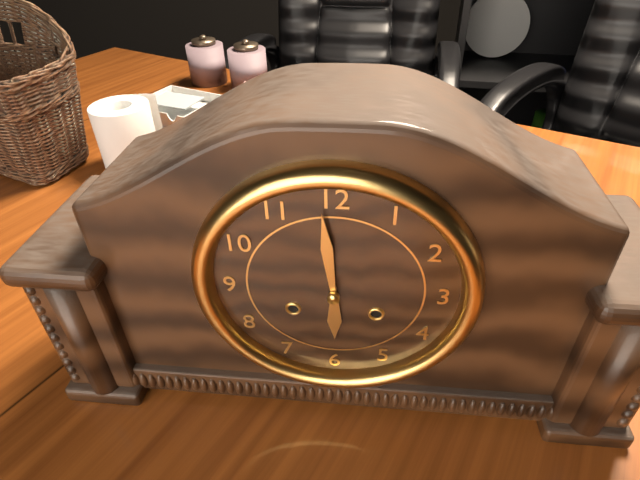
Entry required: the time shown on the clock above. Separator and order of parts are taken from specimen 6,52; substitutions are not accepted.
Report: 5,59
